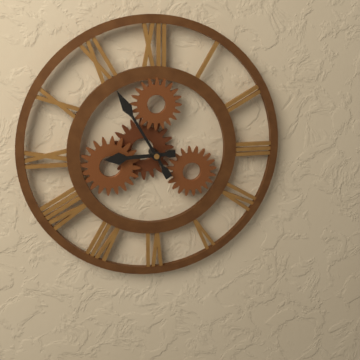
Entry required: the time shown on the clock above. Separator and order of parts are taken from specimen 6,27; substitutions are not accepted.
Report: 8,55
